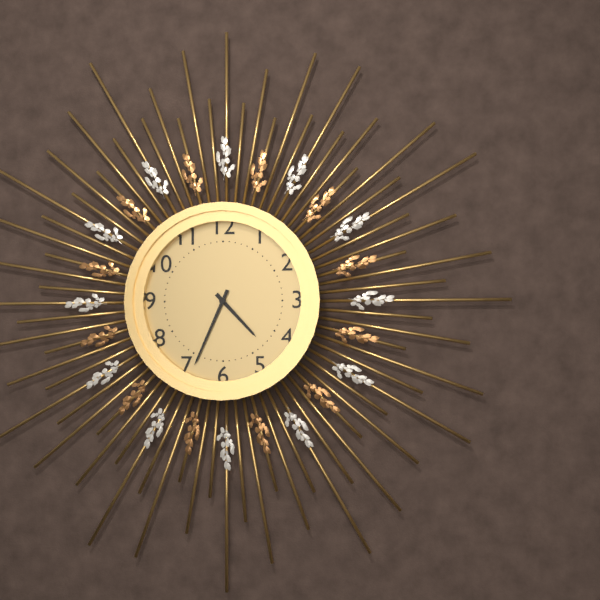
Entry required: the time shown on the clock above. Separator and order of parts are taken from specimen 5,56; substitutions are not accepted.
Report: 4,34
